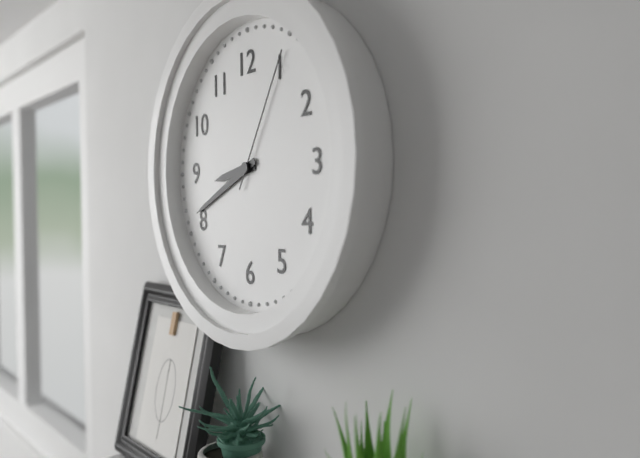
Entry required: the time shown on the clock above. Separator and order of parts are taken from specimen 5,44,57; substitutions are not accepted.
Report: 8,41,05
